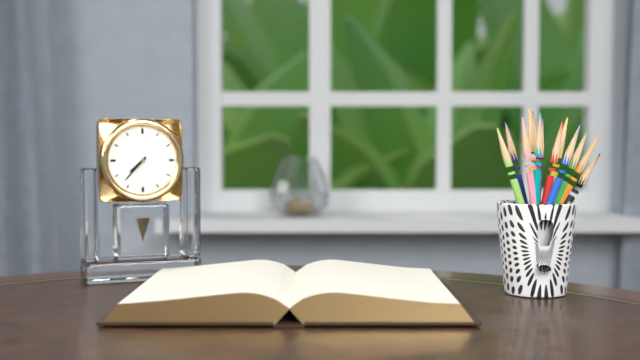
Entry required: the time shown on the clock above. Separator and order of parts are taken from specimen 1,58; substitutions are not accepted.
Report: 7,37
